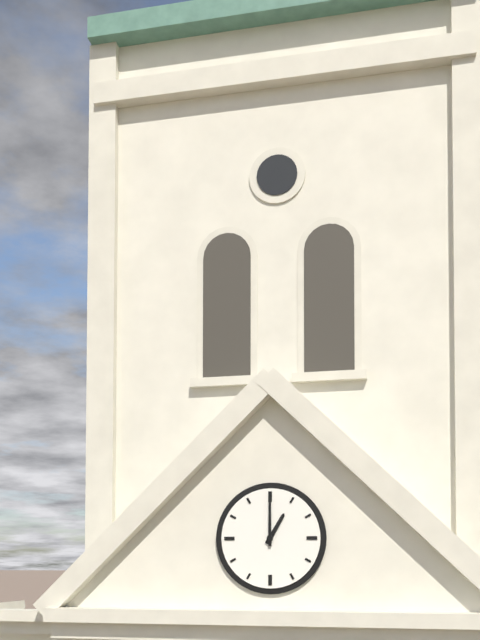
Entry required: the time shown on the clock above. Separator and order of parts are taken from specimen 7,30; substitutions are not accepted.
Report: 1,00
